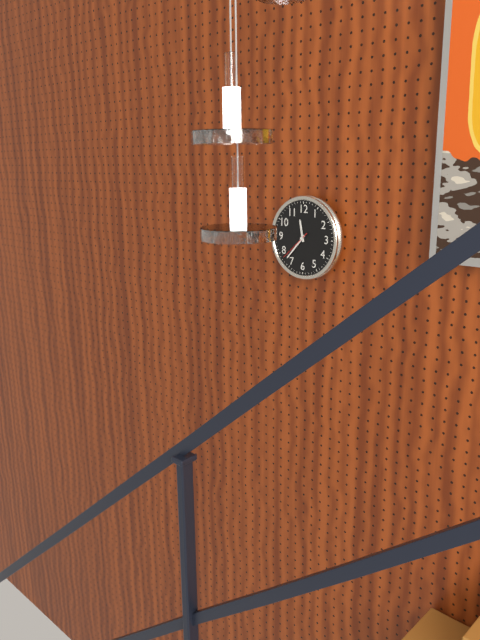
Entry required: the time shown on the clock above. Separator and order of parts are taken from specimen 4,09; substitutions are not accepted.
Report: 11,37
